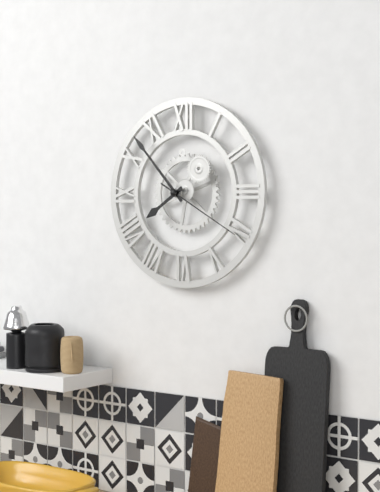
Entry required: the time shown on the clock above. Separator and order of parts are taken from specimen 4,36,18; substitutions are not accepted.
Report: 7,53,20
